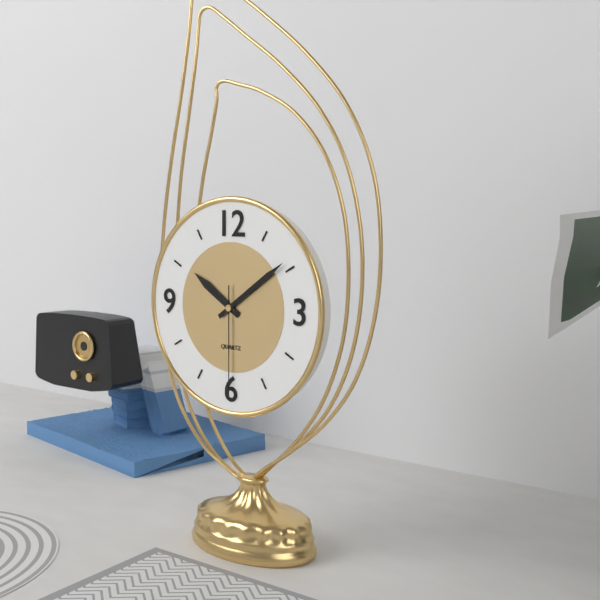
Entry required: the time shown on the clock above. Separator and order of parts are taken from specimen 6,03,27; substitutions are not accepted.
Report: 10,09,30
